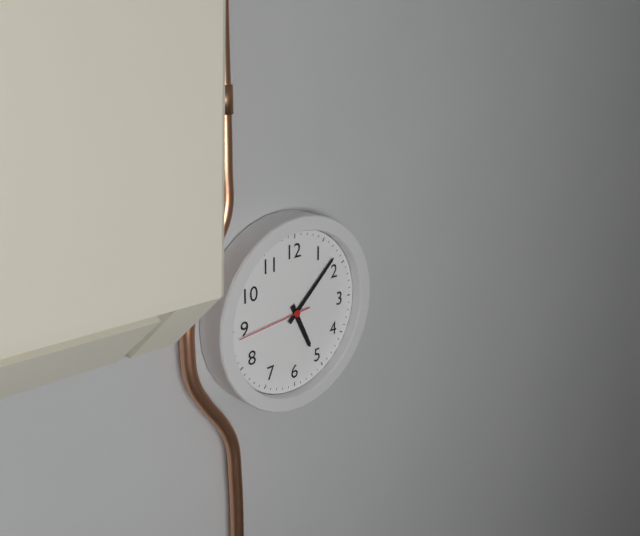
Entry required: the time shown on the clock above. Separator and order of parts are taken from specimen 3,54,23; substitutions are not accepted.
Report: 5,08,44
